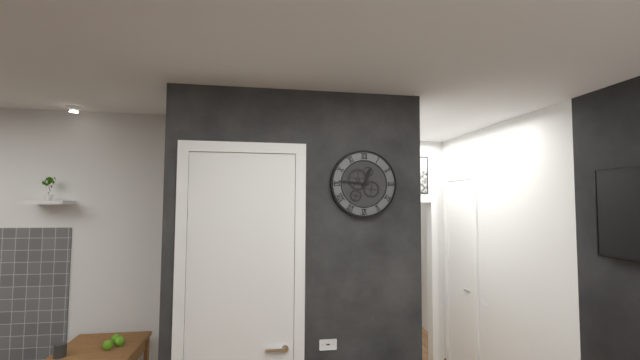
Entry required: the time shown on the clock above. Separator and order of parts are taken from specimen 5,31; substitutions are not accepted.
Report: 12,46
